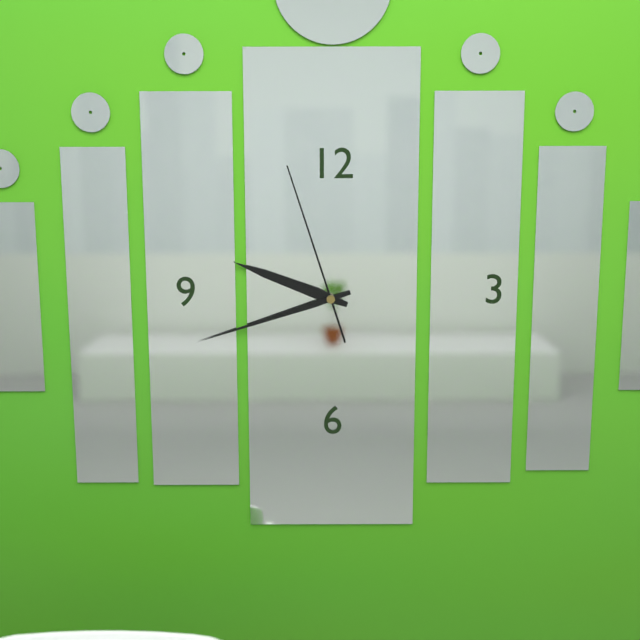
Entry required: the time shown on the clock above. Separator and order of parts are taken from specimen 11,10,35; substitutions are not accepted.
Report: 9,42,57
